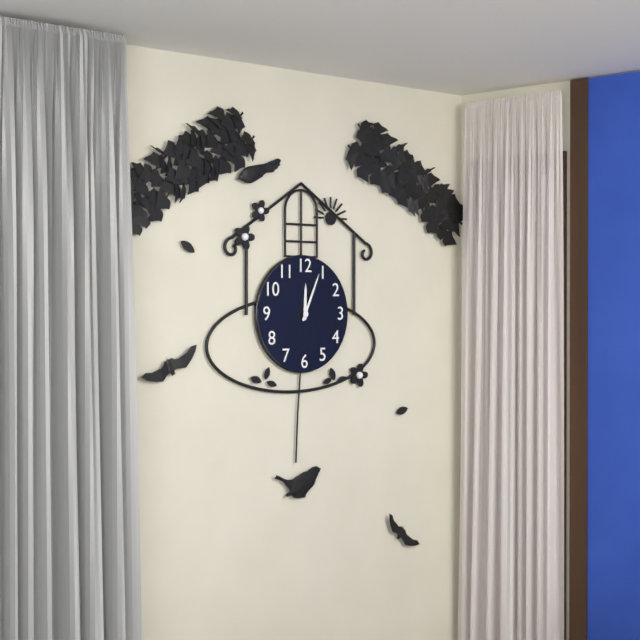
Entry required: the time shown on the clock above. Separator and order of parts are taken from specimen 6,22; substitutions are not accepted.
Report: 12,04
